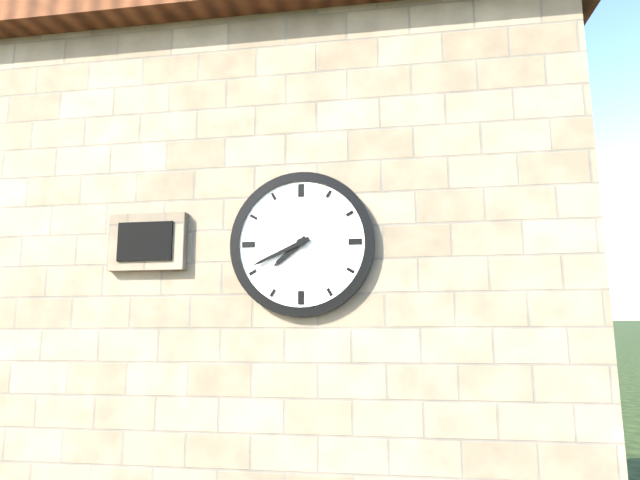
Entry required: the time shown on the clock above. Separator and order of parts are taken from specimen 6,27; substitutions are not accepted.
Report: 7,41
